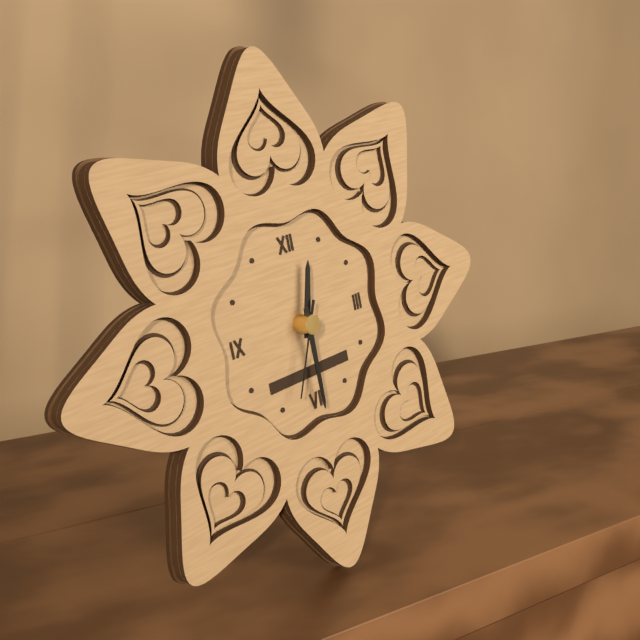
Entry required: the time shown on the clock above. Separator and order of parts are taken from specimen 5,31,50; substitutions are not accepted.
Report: 12,30,34
